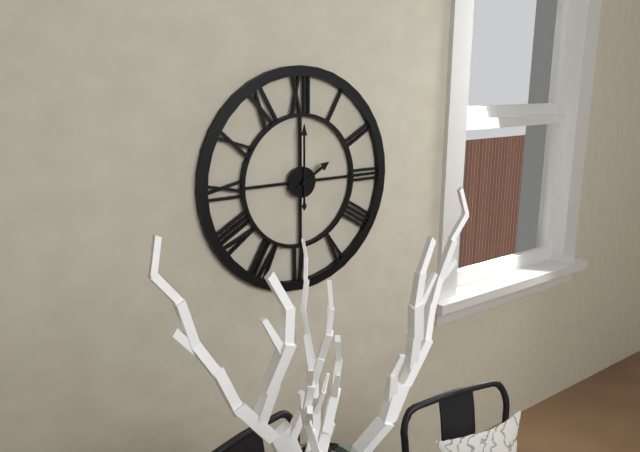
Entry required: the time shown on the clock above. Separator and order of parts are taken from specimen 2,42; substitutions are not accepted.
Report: 2,00
